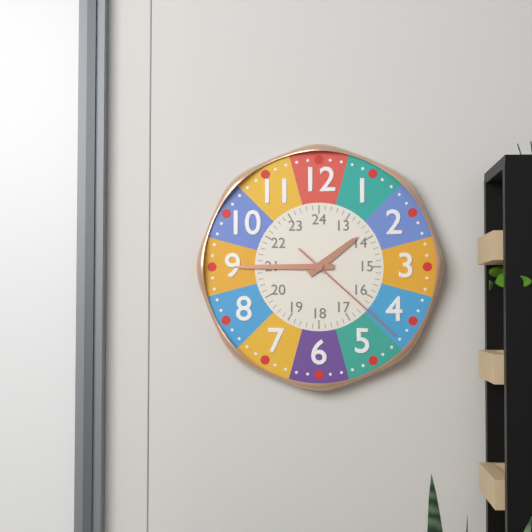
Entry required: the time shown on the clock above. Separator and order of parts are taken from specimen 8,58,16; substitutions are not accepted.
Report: 1,45,22
